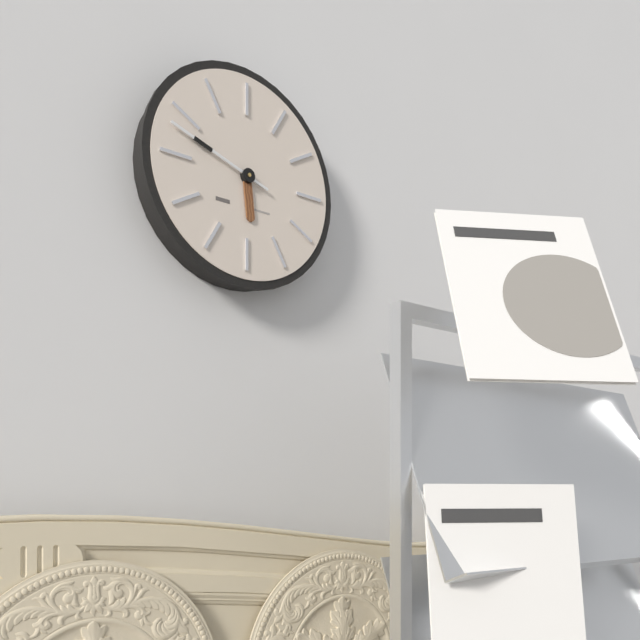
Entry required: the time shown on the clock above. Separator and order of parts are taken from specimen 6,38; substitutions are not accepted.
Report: 5,48
